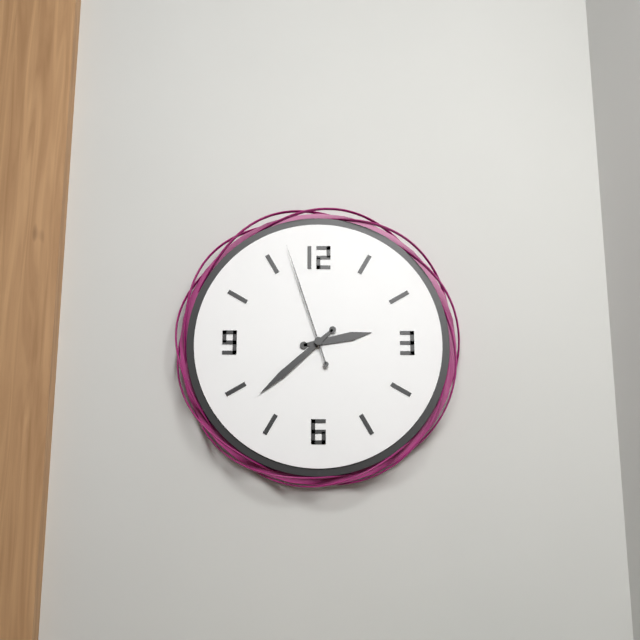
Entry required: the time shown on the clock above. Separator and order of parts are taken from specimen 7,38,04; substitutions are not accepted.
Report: 2,38,57
